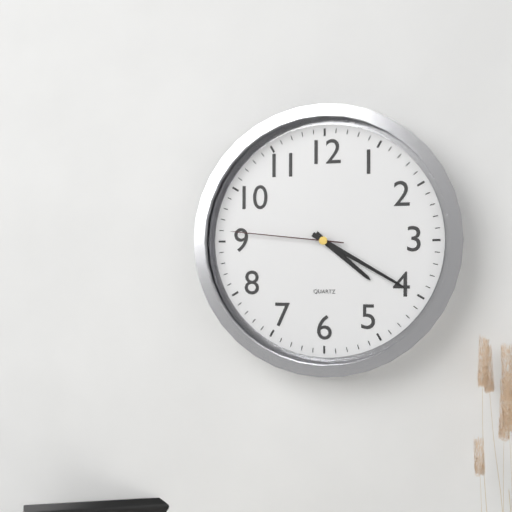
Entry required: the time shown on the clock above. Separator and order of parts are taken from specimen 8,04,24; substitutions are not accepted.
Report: 4,20,46
